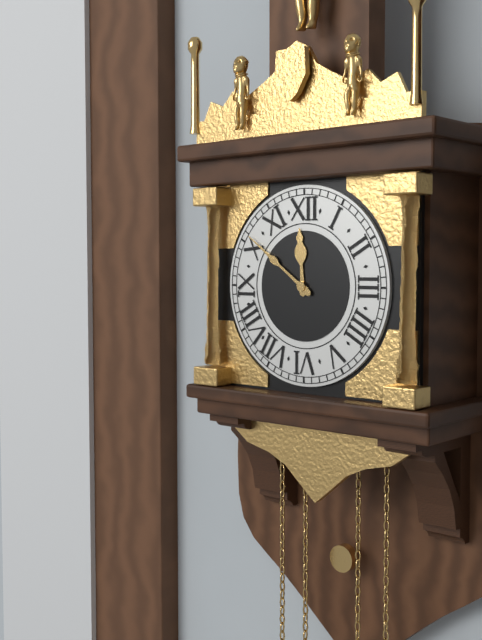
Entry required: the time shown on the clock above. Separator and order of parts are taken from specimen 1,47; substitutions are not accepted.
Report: 11,51
